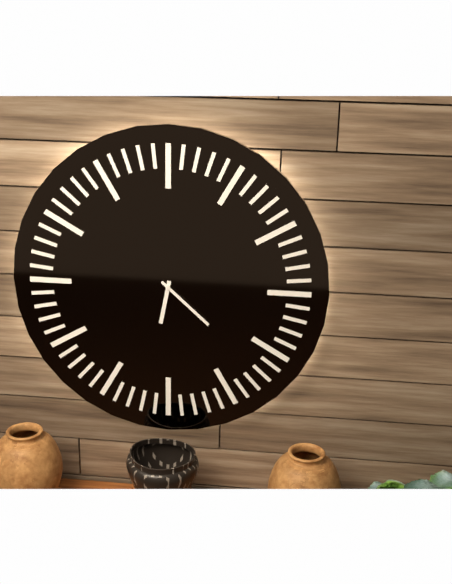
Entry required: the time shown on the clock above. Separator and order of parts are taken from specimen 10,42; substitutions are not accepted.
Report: 6,22
